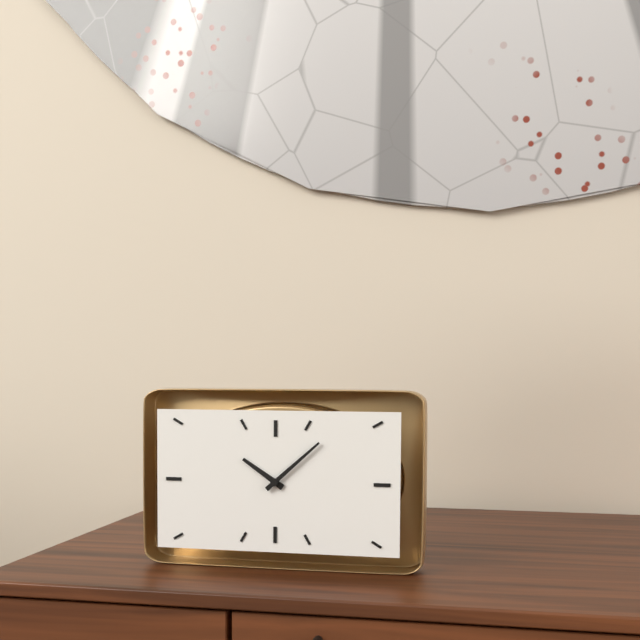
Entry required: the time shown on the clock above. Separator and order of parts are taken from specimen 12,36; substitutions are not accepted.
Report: 10,08
